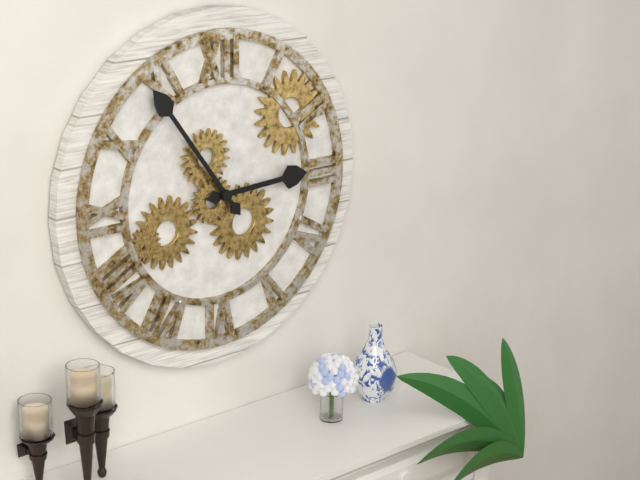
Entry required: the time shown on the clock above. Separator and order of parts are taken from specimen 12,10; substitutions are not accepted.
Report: 2,54
